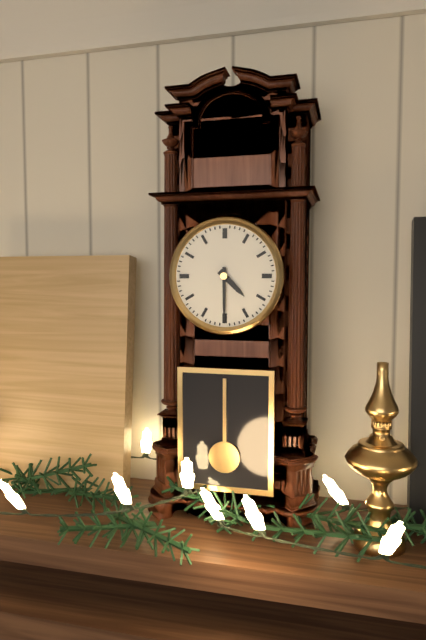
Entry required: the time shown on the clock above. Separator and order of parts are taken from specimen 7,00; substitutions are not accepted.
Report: 4,30
